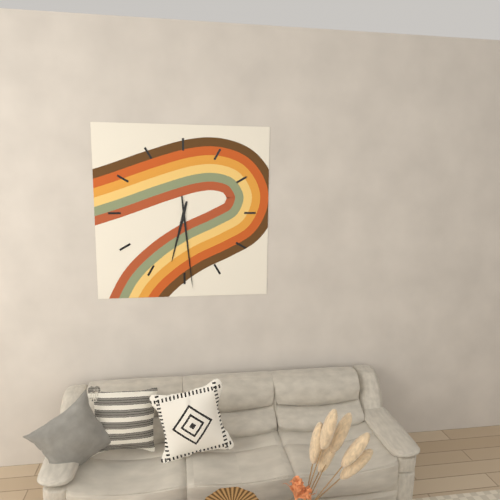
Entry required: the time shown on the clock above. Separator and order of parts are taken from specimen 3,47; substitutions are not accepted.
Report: 6,29
